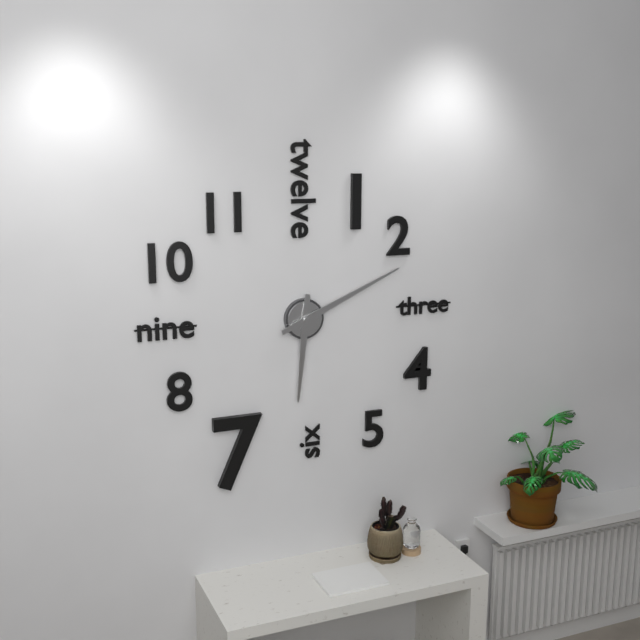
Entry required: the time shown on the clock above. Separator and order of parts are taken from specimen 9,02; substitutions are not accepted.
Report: 6,11
